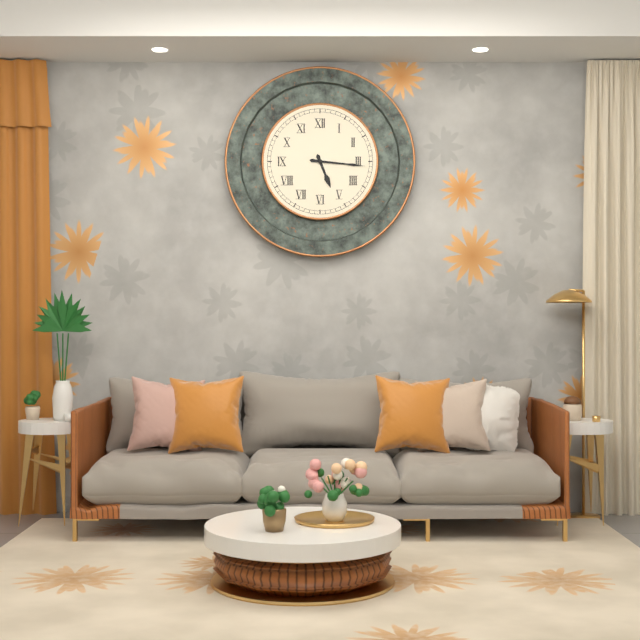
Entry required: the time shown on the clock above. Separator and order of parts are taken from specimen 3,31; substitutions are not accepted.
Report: 5,16
